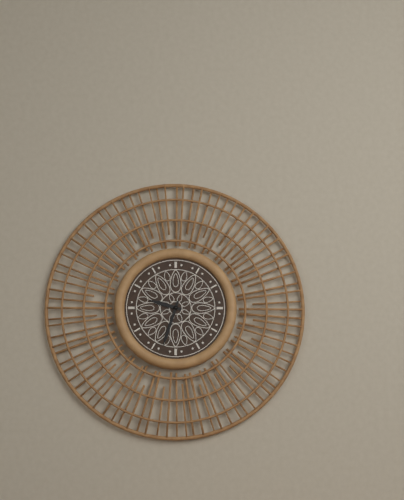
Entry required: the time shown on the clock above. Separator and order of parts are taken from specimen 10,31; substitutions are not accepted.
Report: 9,33
